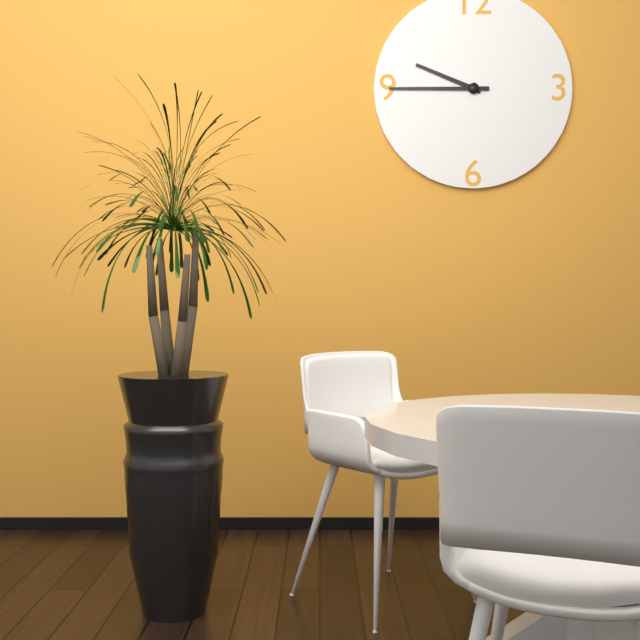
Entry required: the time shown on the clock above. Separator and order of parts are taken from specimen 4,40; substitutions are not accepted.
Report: 9,45
